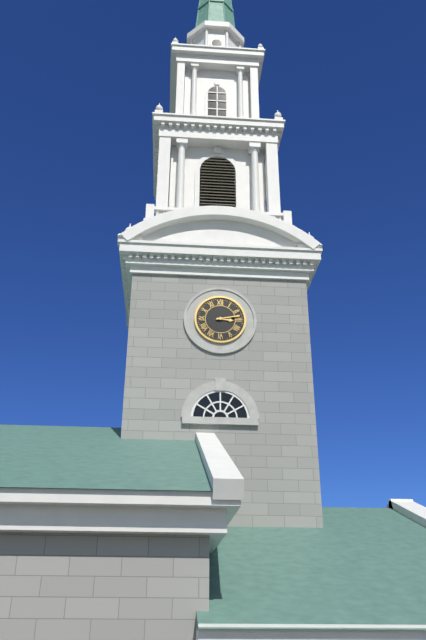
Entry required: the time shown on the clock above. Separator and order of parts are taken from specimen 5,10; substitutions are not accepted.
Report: 3,13
